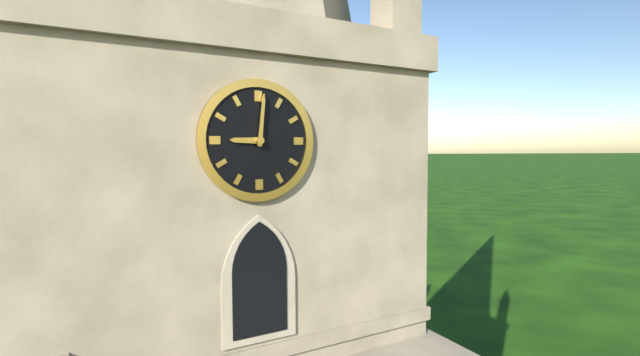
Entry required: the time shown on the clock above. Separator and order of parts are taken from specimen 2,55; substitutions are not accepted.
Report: 9,01
